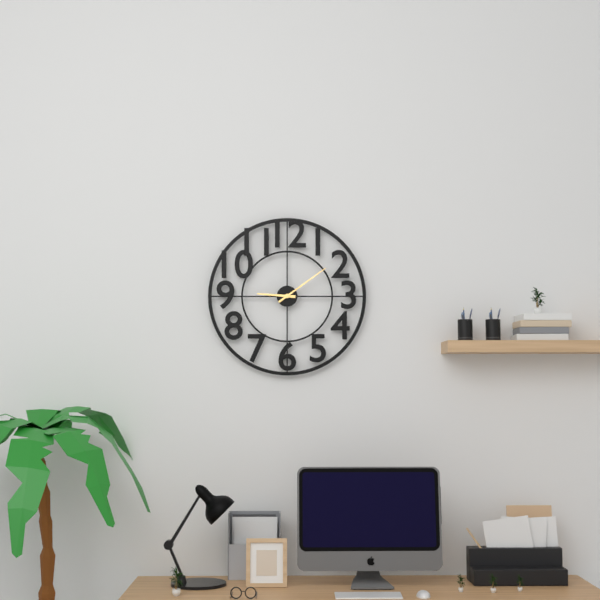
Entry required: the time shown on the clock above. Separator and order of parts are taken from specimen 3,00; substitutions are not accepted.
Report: 9,09
